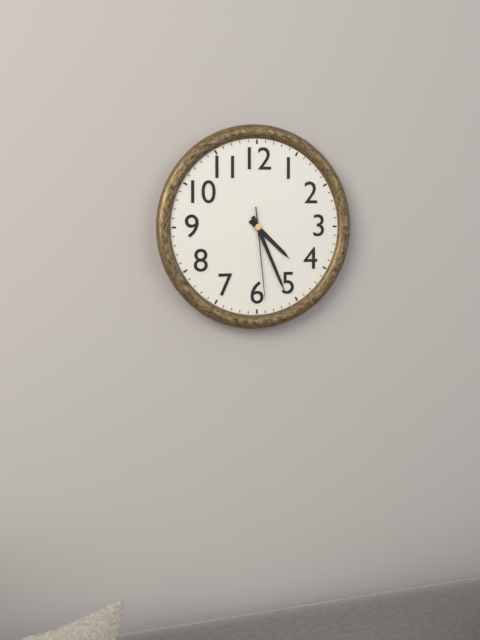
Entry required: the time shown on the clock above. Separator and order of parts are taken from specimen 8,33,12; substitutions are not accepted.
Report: 4,26,29
